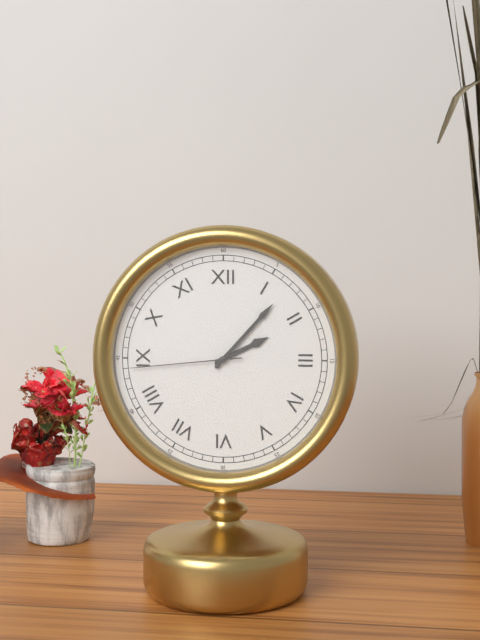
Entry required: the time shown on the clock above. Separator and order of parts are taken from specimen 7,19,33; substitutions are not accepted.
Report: 2,07,44
